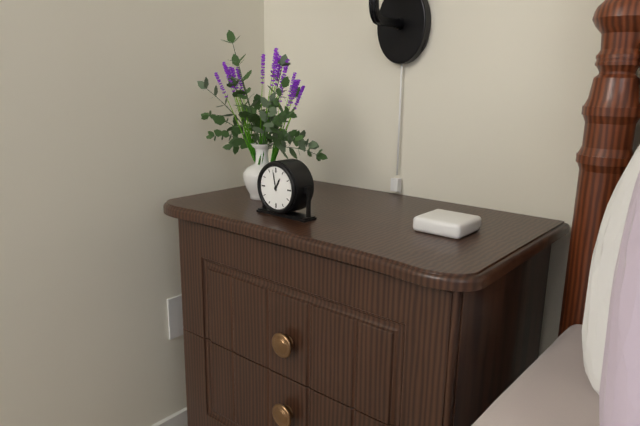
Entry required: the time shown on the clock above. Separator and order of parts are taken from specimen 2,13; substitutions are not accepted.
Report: 12,58
